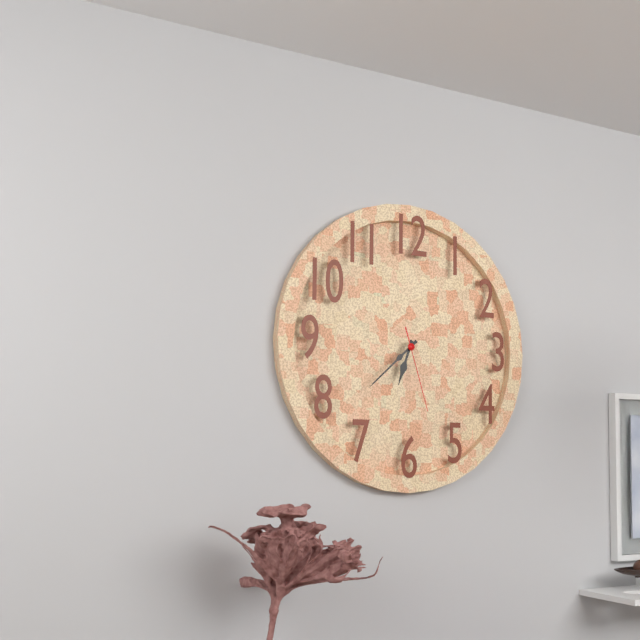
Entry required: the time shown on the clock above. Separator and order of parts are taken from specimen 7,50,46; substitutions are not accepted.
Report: 6,38,27
